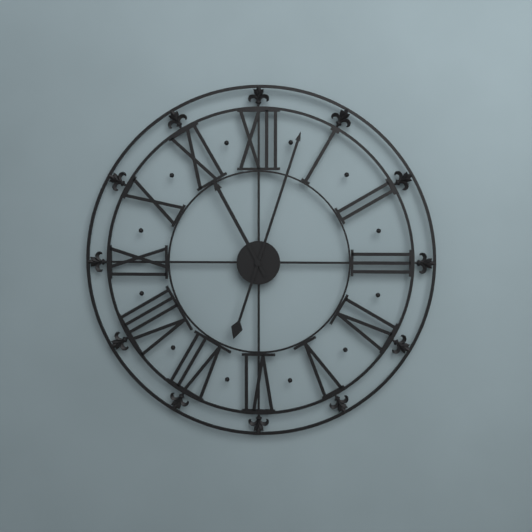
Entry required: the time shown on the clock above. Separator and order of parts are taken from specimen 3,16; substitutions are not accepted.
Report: 11,03
